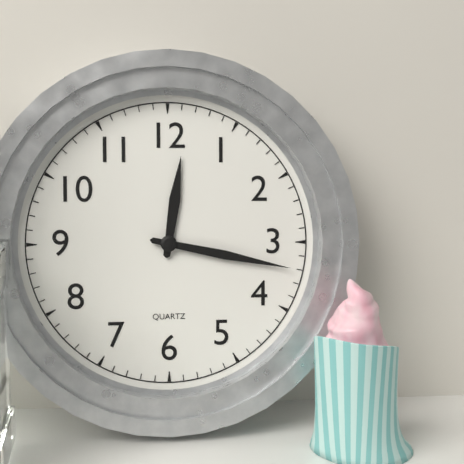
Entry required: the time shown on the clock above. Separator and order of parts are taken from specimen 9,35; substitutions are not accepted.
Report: 12,17
